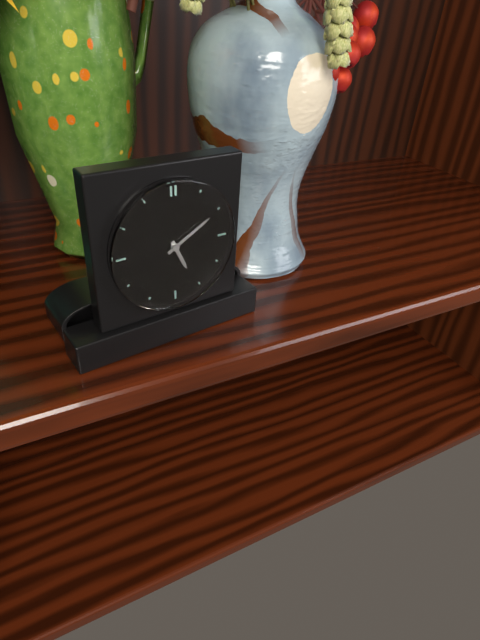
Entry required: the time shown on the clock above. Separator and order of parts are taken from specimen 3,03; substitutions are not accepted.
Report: 5,10
